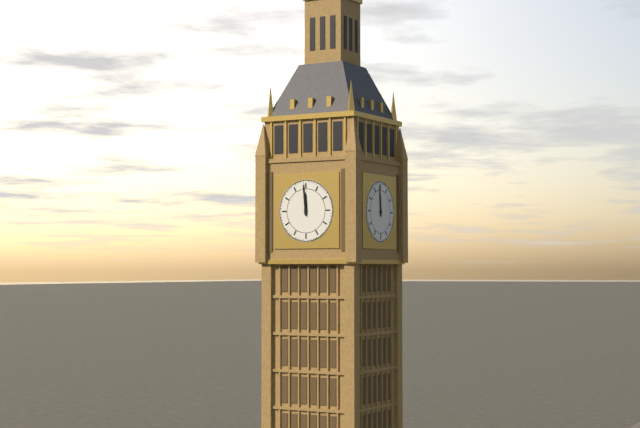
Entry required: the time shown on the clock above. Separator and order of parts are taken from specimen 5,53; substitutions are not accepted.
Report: 11,59
